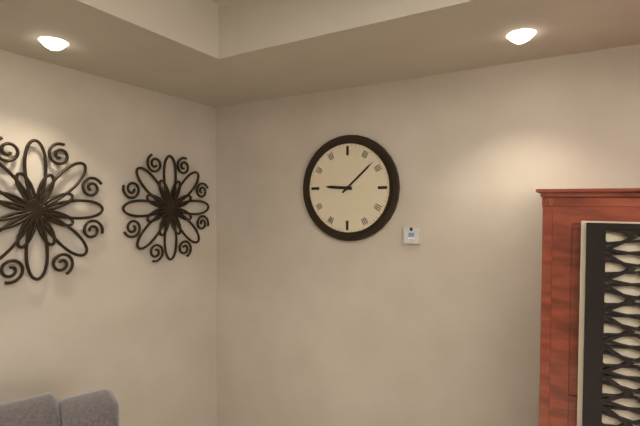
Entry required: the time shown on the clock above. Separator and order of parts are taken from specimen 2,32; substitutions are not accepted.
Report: 9,08
